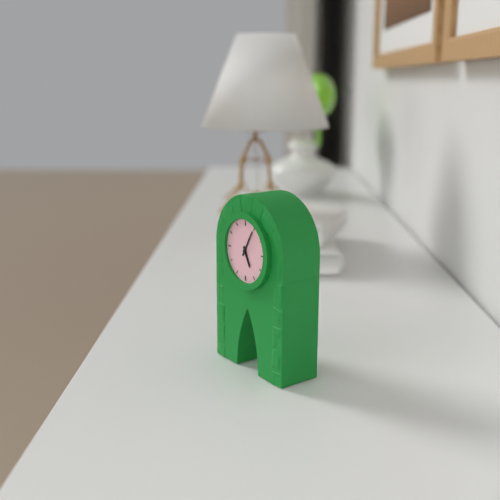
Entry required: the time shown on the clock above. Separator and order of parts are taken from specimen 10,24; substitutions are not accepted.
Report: 5,05
